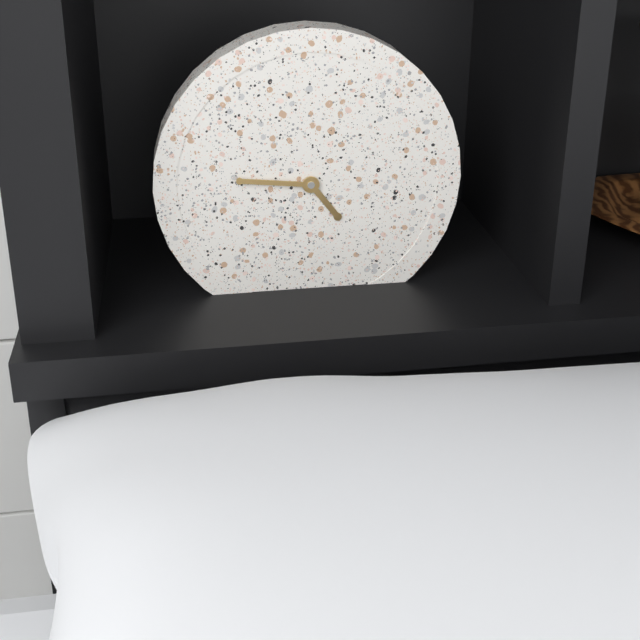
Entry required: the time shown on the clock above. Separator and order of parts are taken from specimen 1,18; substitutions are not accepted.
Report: 4,46
